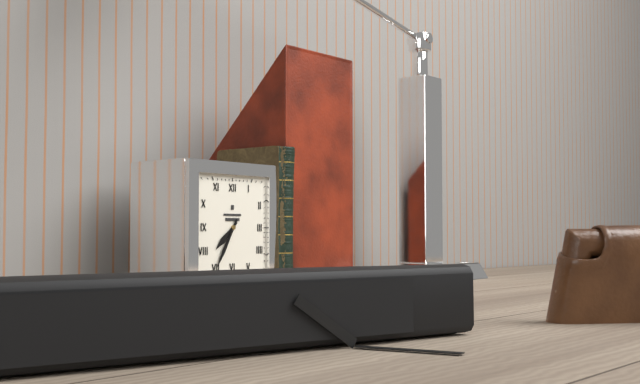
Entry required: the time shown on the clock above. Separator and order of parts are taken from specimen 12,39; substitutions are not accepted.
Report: 7,35
